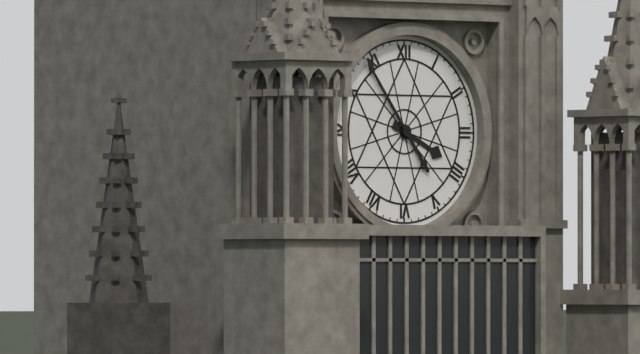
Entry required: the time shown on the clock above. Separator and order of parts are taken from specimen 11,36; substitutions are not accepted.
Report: 3,54
